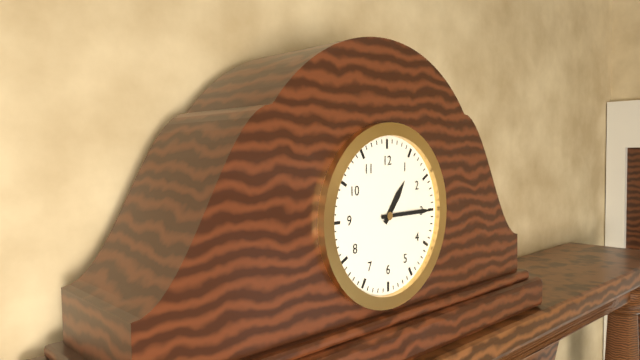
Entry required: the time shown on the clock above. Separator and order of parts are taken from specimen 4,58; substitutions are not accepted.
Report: 1,15
